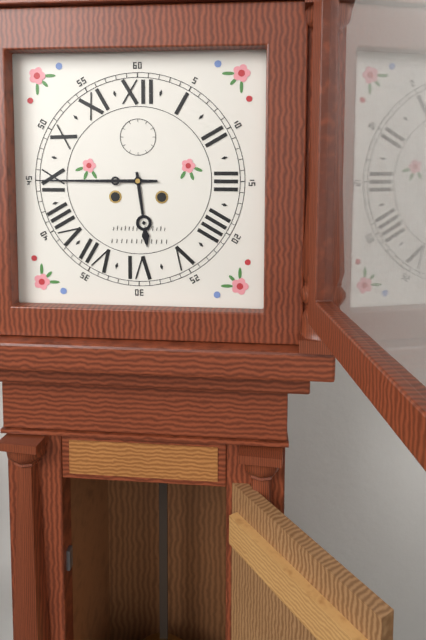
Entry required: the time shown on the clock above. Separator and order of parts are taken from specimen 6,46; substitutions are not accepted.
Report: 5,45
